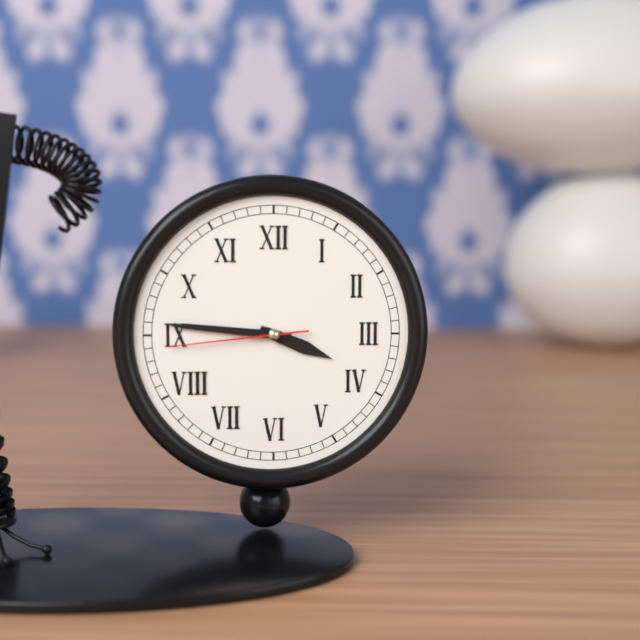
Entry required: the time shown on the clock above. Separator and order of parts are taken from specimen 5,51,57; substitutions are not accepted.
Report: 3,46,44
